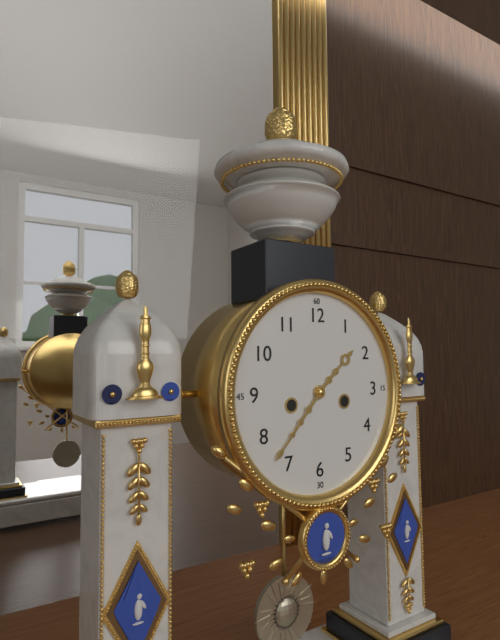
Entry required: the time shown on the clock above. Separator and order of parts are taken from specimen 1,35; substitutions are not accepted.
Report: 1,37
